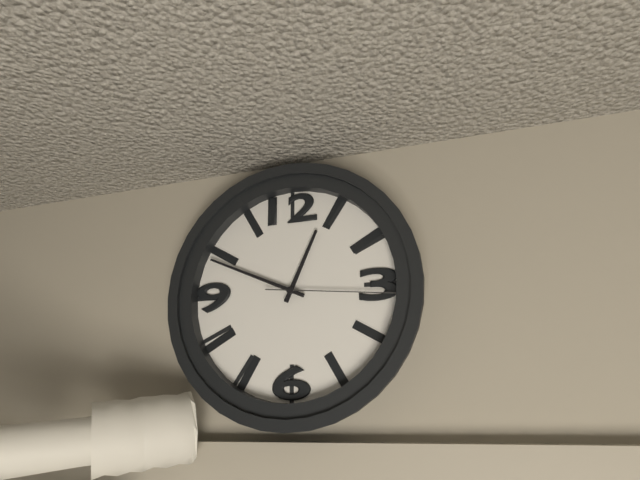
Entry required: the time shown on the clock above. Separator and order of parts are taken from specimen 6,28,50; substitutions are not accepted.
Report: 12,49,16
